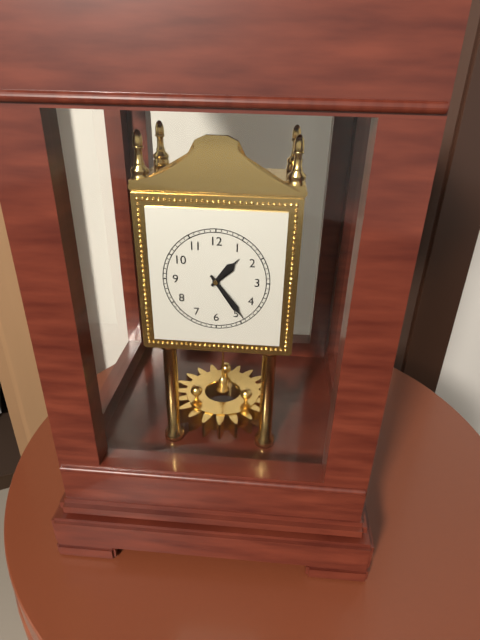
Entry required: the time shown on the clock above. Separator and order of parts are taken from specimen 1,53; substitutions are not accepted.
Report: 1,24
